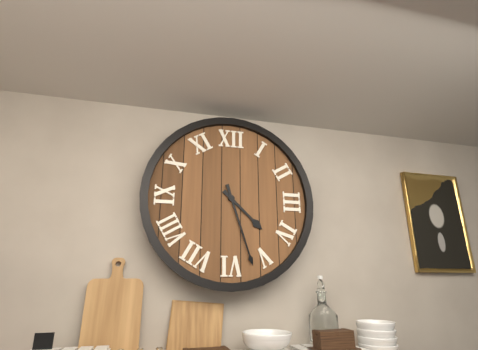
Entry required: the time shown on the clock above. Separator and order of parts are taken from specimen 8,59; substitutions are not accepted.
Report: 4,27
